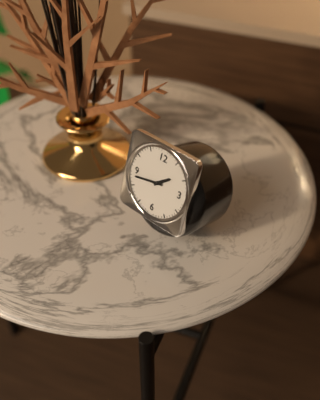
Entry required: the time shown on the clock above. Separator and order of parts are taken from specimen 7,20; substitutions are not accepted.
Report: 1,43
